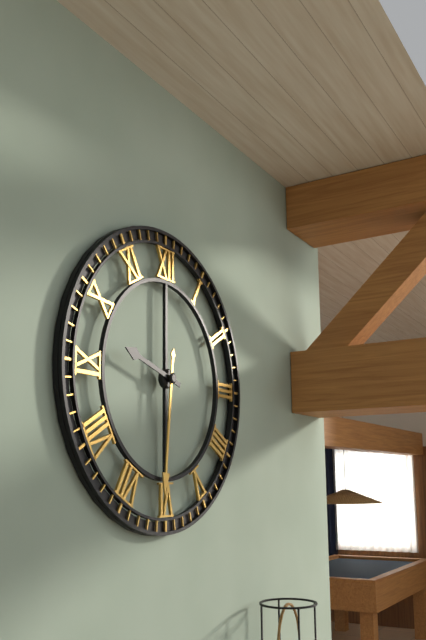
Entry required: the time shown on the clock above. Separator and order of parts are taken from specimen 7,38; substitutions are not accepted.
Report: 9,31
